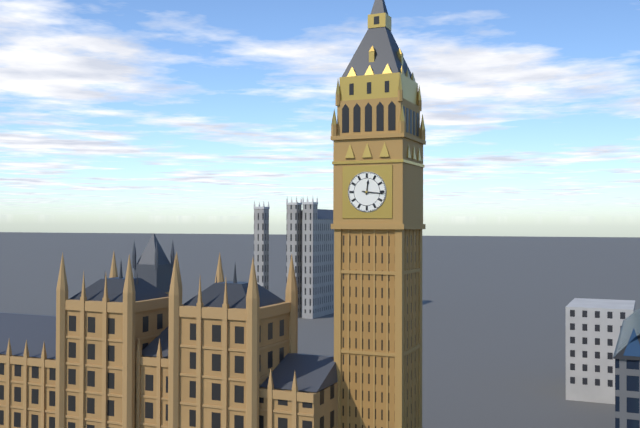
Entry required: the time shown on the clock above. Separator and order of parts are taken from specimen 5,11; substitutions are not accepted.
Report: 12,16
